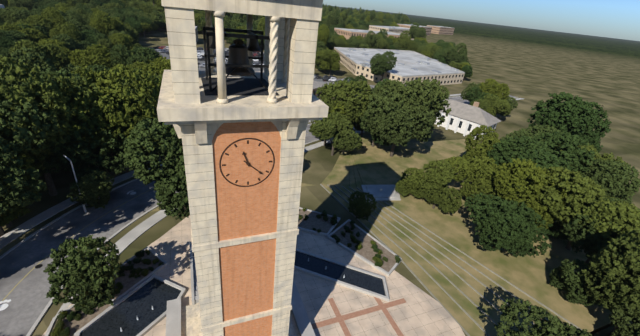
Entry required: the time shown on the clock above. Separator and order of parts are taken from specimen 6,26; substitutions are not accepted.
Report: 11,22
